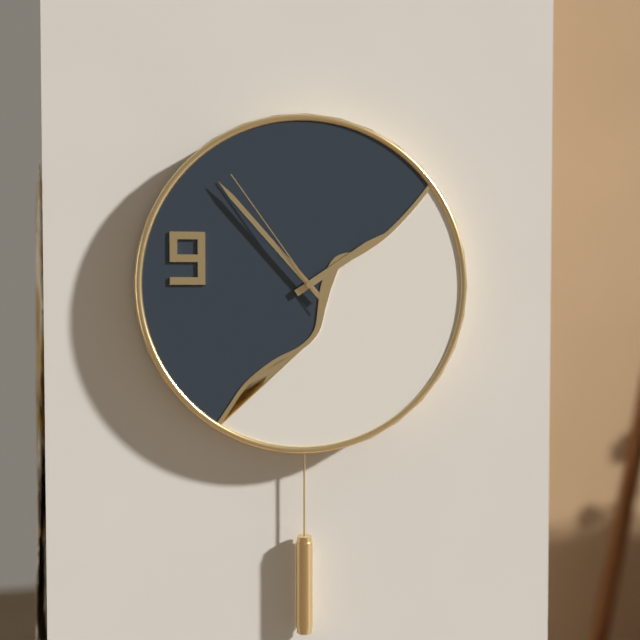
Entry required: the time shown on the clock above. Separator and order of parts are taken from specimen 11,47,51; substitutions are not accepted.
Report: 1,53,54
